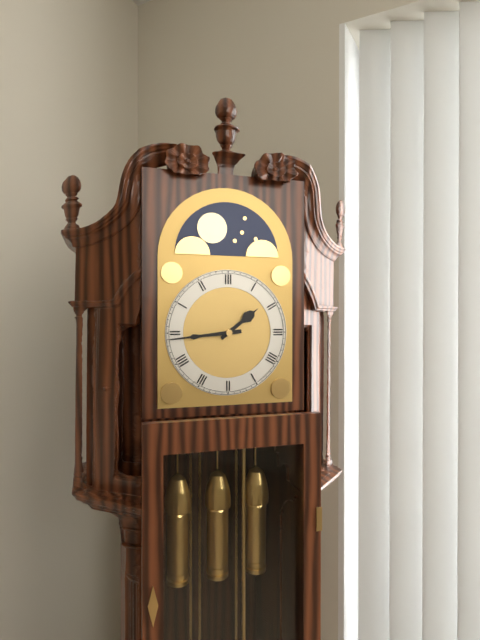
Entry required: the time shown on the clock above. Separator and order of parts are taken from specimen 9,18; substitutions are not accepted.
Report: 1,44
